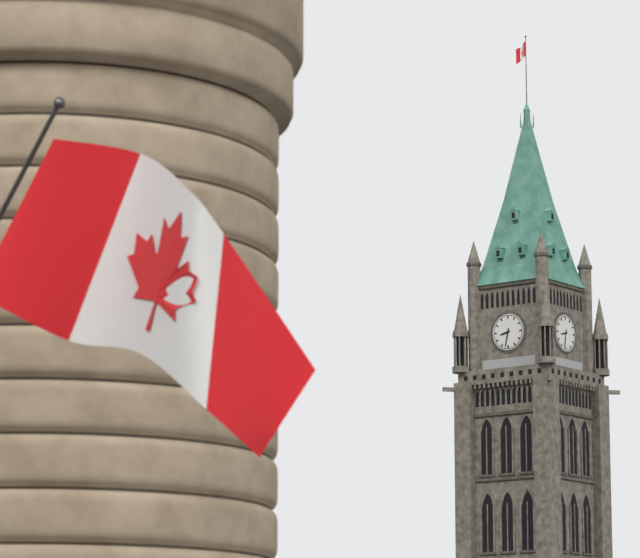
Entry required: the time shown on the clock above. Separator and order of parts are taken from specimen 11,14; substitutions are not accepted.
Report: 8,32
